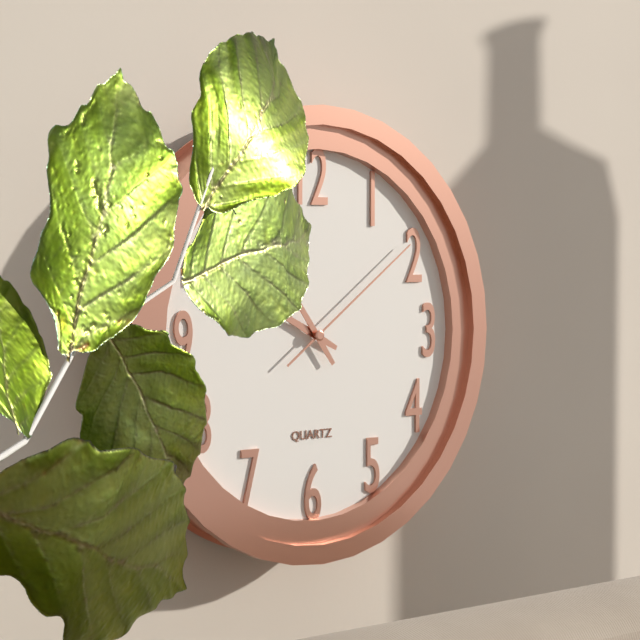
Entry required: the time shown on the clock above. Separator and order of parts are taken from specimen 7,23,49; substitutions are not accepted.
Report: 9,54,09
